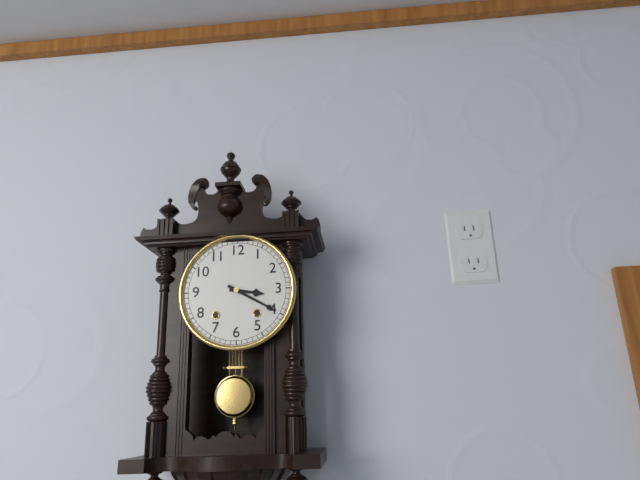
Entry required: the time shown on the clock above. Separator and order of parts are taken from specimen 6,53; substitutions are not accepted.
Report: 3,20
